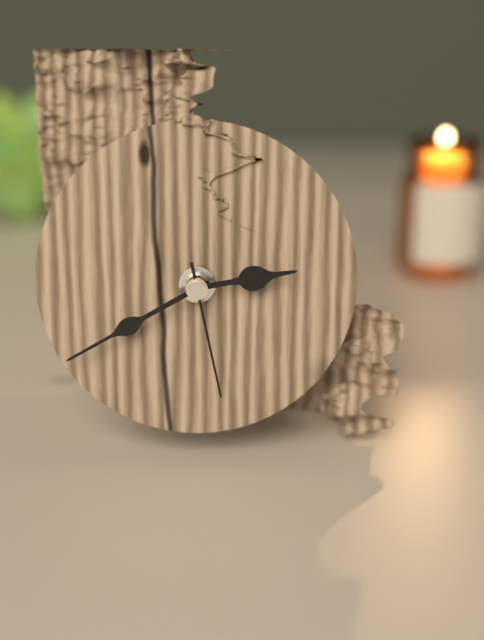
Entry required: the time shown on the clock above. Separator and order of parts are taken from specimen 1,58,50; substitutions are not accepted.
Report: 2,40,28
